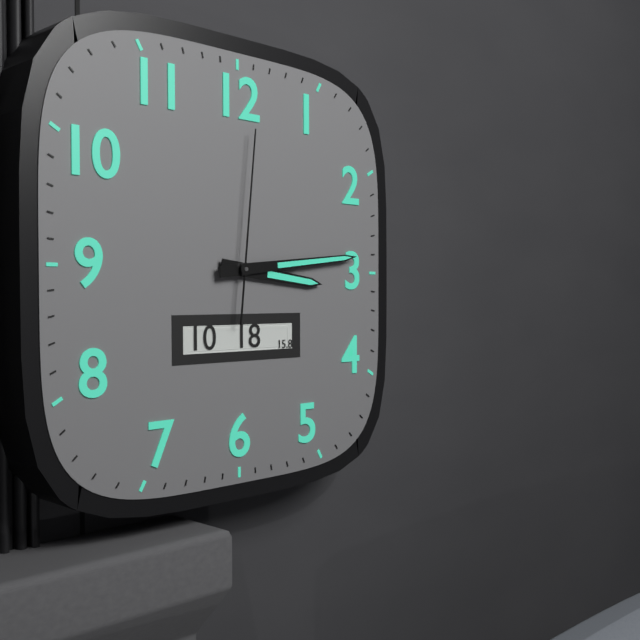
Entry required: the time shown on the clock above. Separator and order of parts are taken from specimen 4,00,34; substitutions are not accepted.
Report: 3,14,01
